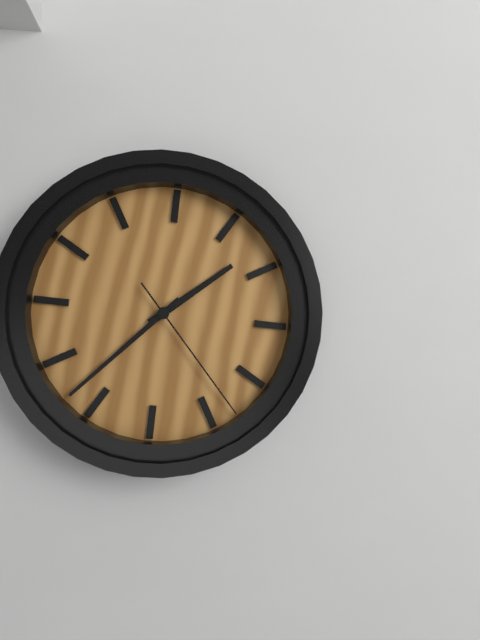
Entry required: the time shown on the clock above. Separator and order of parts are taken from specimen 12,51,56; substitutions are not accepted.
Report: 1,37,23
